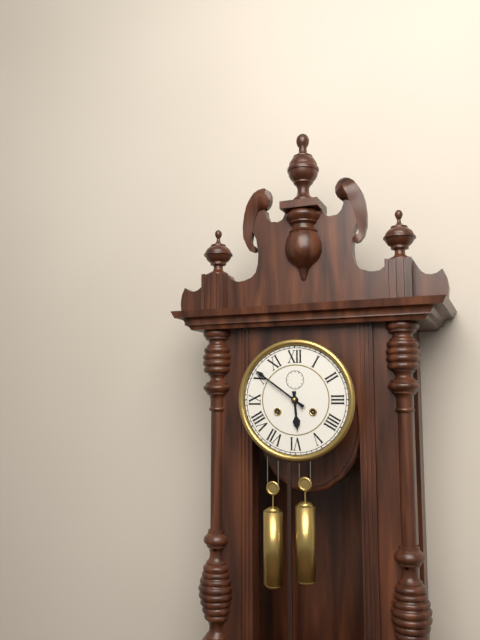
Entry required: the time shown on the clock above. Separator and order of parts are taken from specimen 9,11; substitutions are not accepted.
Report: 5,51
